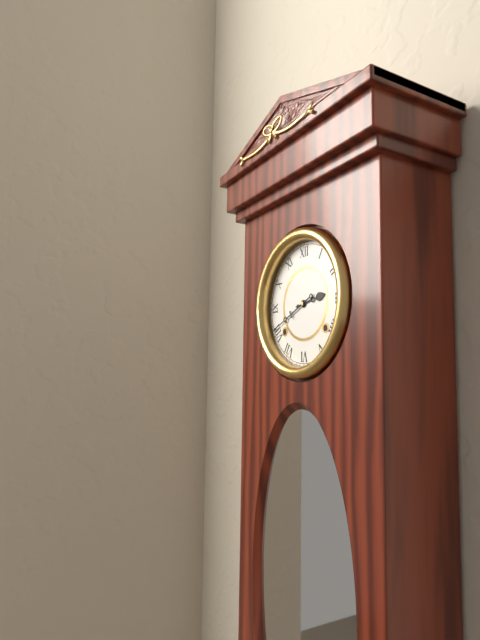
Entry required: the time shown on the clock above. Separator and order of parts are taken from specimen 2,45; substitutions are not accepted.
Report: 2,41
